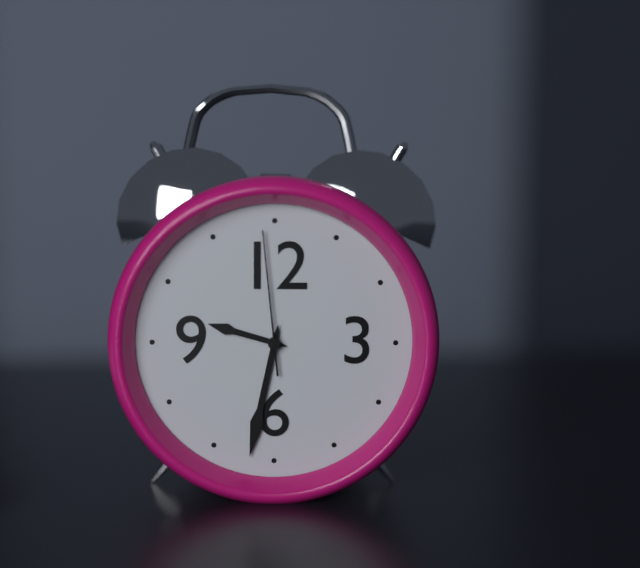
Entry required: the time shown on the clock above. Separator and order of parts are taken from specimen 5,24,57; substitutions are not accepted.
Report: 9,32,59
